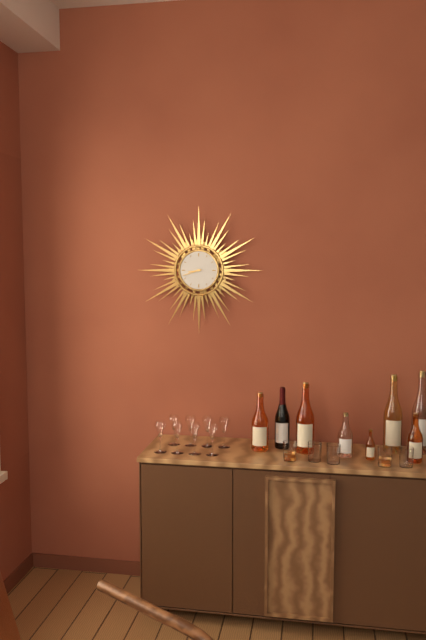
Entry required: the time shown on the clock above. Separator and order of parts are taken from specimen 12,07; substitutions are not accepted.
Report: 8,42
